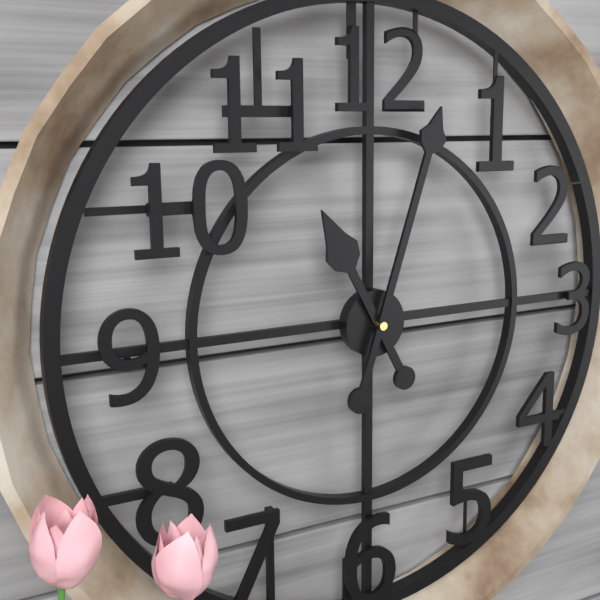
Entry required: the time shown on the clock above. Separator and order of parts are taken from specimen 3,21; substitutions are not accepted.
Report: 11,03
